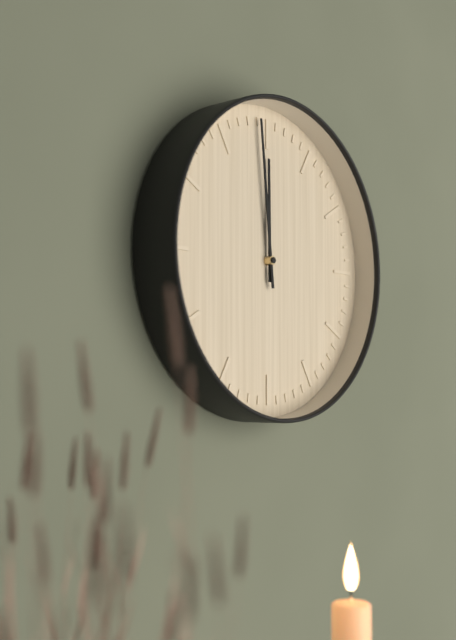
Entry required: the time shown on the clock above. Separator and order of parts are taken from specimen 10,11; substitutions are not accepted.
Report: 11,59
